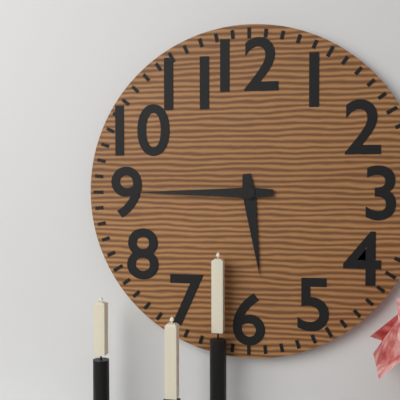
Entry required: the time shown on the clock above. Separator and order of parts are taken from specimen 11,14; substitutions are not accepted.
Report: 5,45
